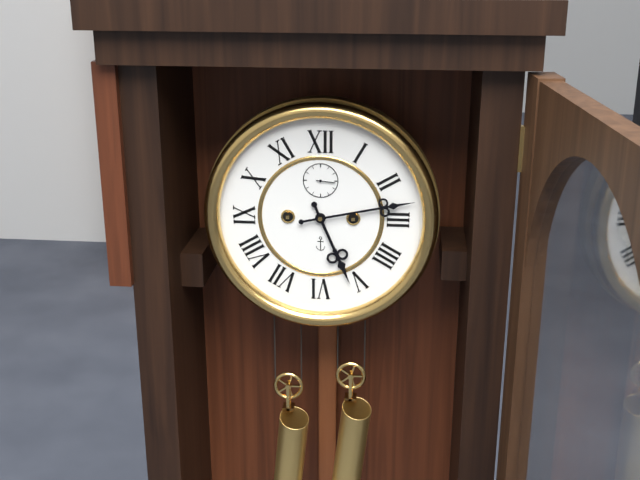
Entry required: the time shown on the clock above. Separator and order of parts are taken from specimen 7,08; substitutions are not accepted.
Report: 5,13
